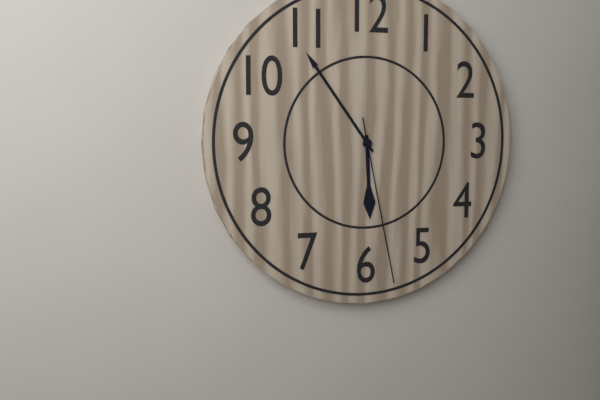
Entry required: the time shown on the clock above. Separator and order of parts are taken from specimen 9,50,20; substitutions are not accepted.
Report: 5,54,28
